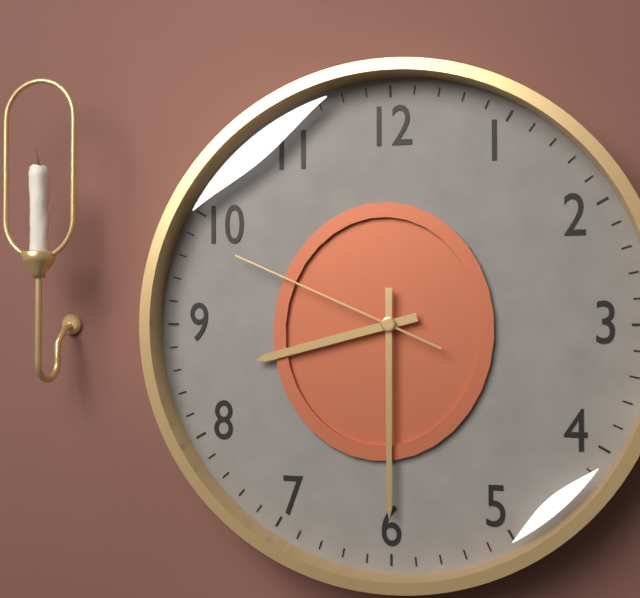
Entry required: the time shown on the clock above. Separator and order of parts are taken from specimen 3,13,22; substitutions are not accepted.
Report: 8,30,49
